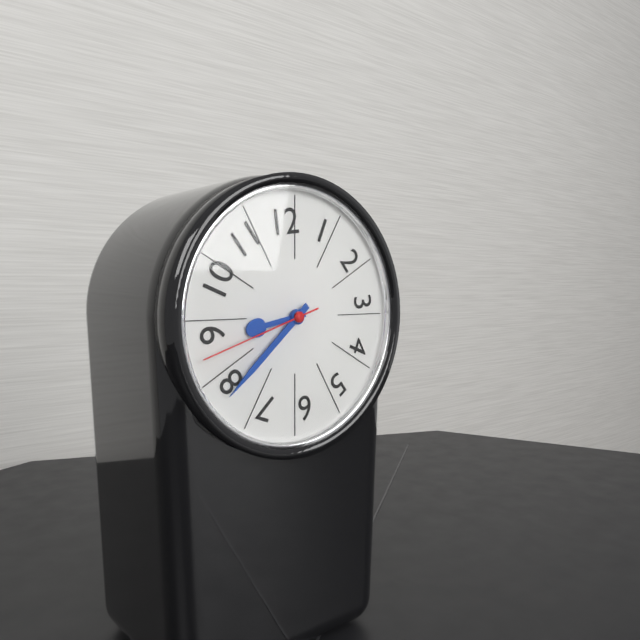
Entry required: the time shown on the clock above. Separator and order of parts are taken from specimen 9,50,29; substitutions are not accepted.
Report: 8,38,42
